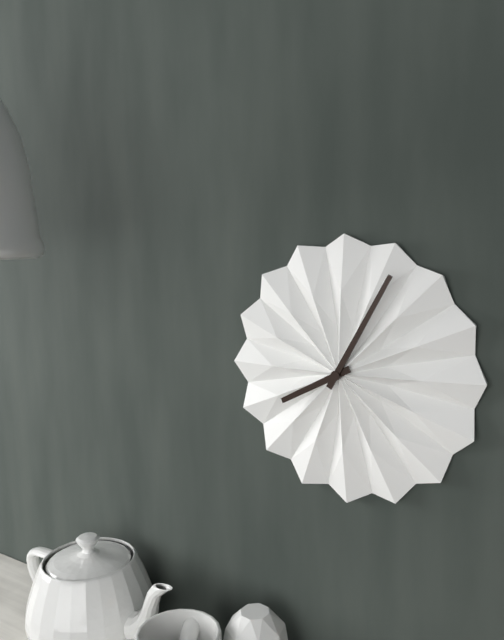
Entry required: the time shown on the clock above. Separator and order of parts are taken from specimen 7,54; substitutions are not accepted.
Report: 8,05
